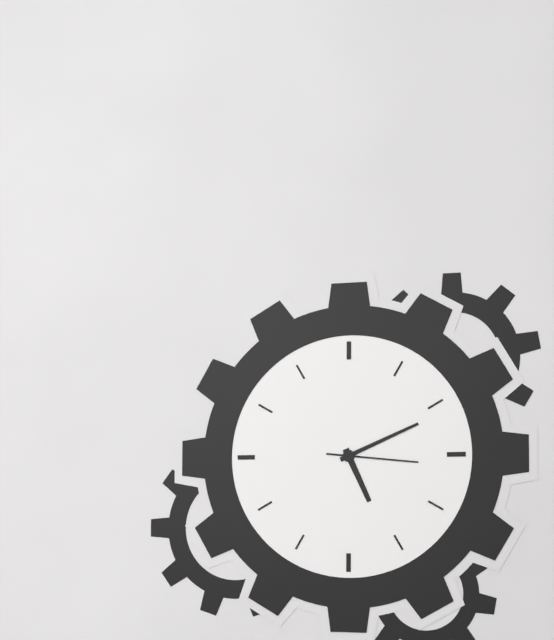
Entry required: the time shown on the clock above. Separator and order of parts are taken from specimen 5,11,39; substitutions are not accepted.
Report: 5,11,16
